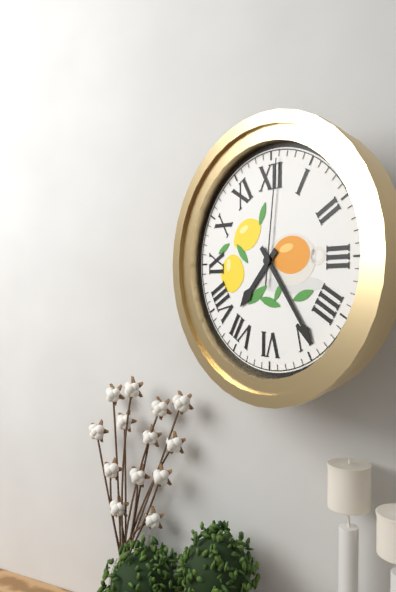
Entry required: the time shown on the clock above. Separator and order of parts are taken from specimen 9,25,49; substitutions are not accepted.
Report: 7,24,01
